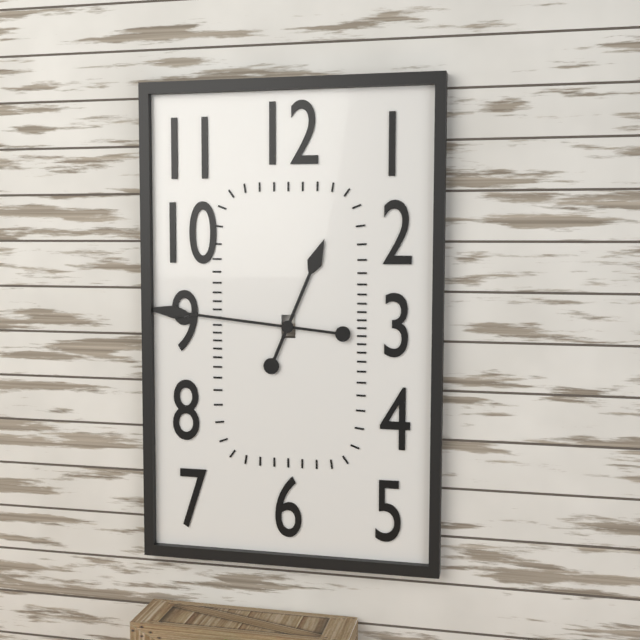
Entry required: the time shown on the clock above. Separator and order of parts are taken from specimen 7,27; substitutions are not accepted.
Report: 12,46
